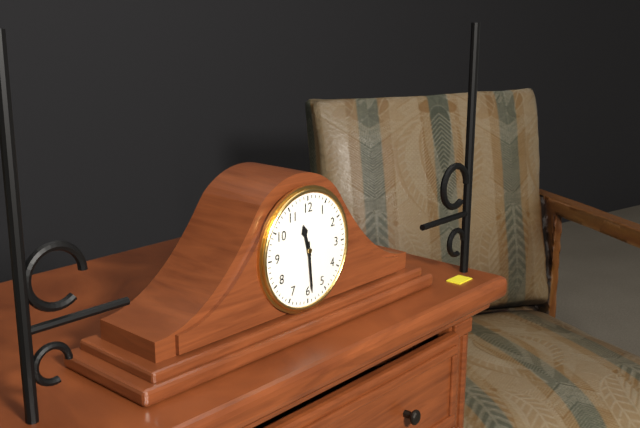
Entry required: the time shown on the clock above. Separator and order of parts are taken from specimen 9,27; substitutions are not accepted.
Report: 11,29
